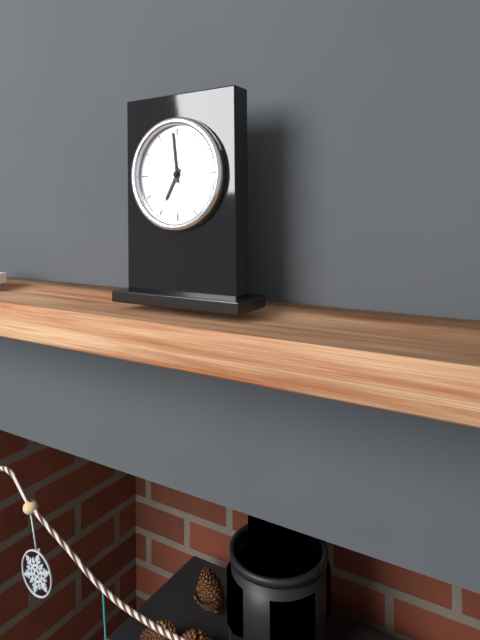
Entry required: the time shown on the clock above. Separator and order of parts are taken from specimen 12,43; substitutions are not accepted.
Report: 6,59
